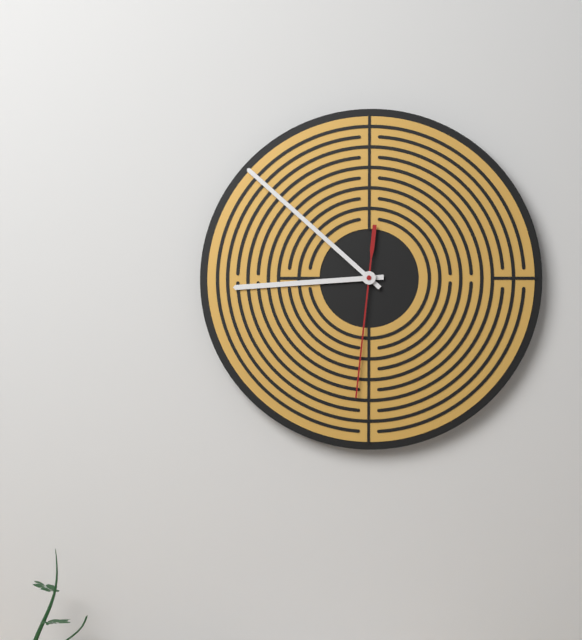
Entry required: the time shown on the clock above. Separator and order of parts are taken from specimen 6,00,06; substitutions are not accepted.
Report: 8,52,31
